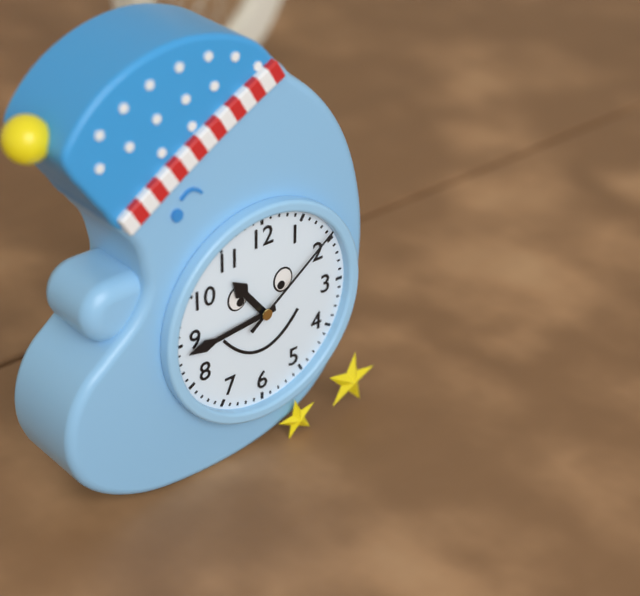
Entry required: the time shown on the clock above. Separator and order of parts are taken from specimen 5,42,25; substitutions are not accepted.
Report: 10,44,09
